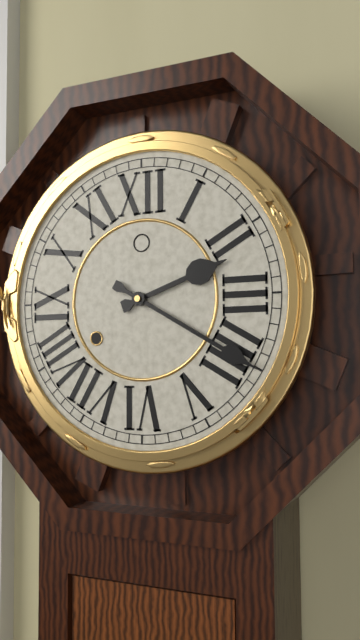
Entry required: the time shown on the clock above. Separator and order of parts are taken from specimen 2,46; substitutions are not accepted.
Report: 2,20
